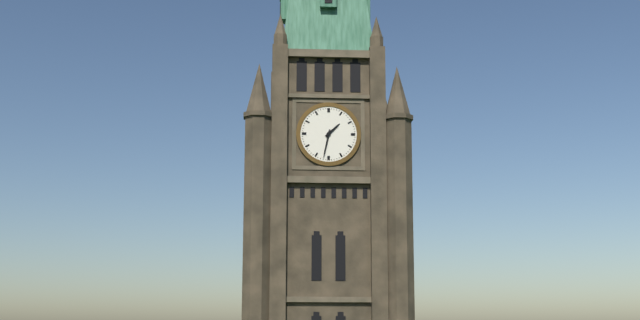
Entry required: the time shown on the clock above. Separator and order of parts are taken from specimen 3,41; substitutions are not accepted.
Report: 1,32
